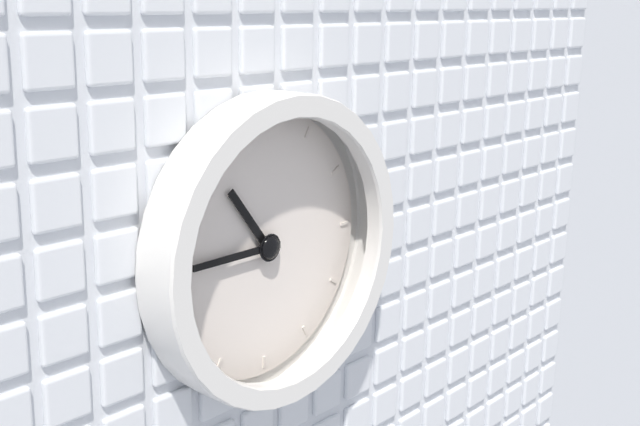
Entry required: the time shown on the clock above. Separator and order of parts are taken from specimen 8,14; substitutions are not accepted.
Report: 10,45
